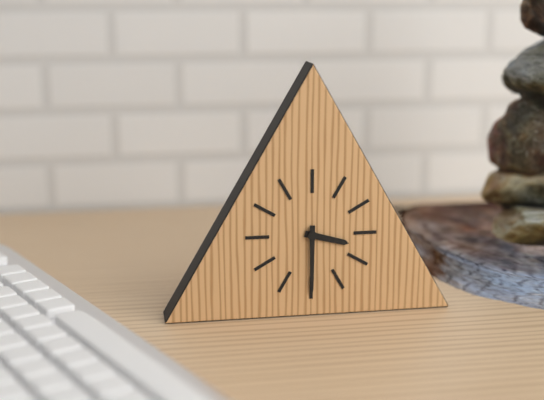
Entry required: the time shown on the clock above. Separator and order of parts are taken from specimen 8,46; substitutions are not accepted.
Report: 3,30
